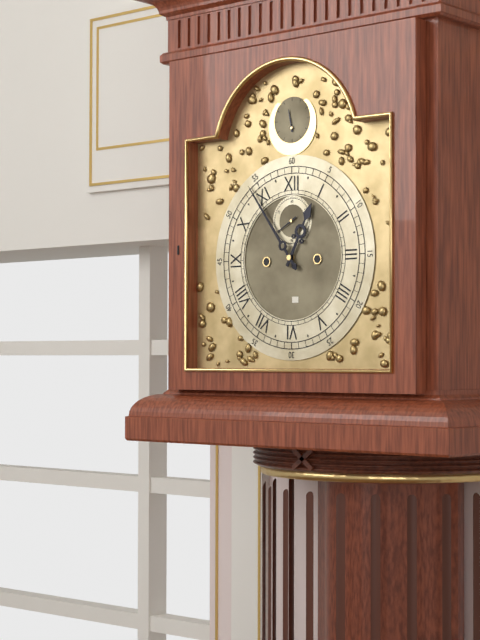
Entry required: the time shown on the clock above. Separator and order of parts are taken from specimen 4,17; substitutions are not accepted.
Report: 12,54
